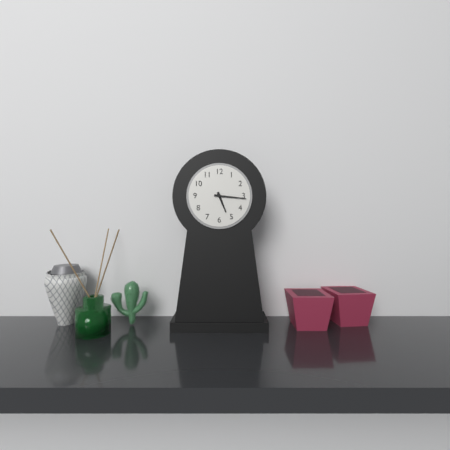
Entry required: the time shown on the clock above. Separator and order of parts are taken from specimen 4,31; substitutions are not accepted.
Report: 5,16
